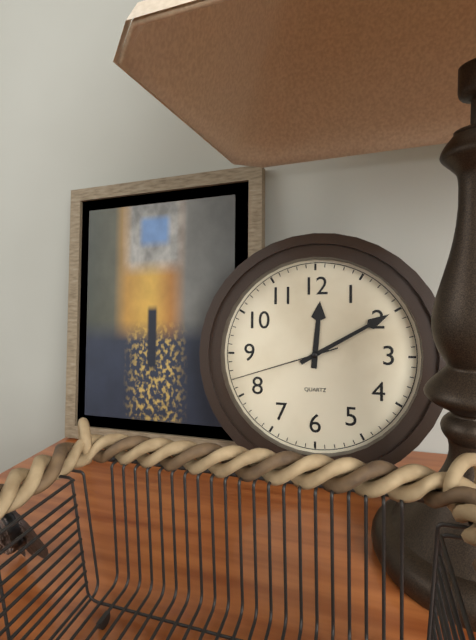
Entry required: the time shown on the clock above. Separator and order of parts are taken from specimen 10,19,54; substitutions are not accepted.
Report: 12,10,42
